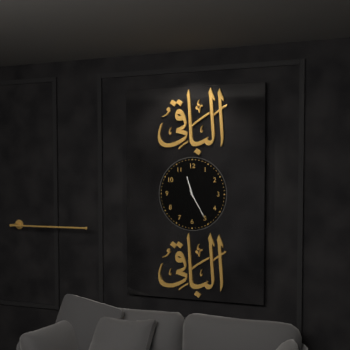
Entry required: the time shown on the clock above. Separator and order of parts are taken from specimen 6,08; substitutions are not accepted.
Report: 11,25
